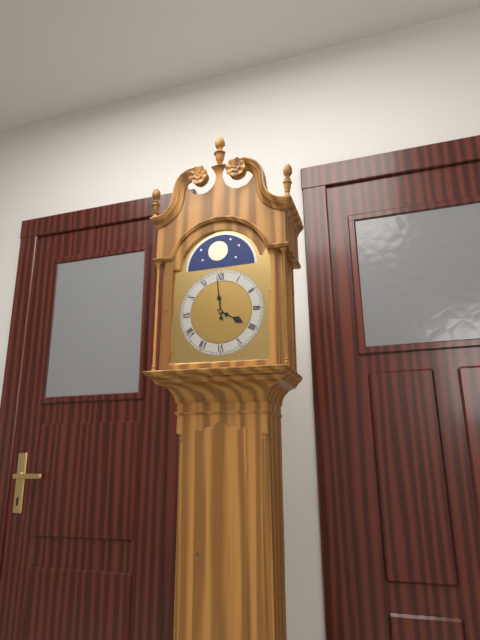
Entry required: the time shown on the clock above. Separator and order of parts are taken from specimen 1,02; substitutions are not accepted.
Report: 3,59
